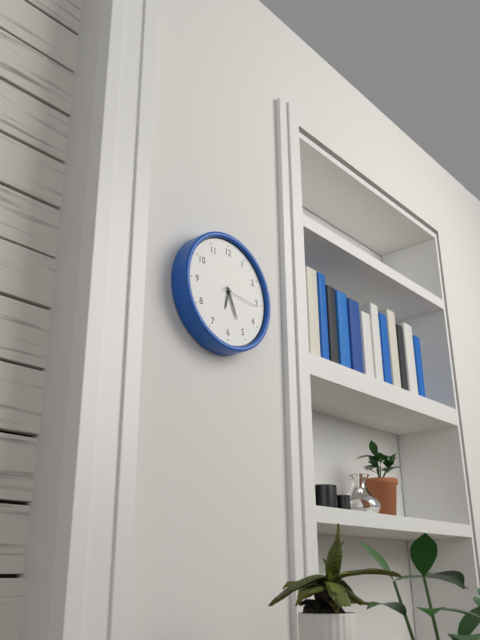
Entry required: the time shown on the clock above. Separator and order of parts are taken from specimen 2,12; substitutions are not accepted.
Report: 6,26
